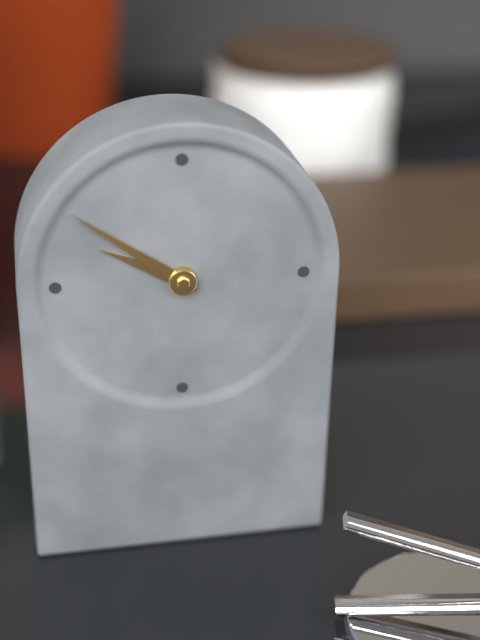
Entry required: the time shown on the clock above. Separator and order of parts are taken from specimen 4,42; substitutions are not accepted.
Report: 9,51
